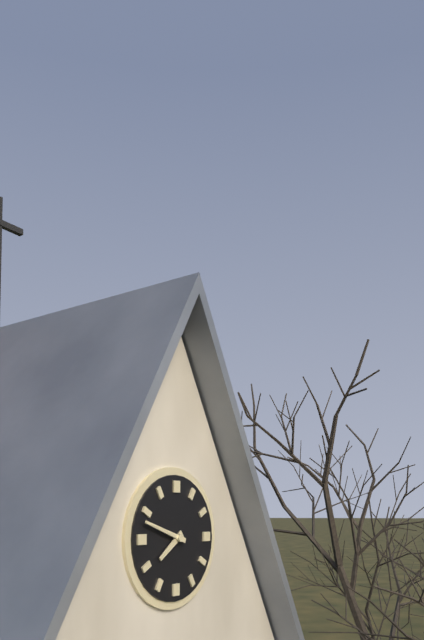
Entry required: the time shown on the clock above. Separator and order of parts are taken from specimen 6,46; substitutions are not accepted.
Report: 7,48
